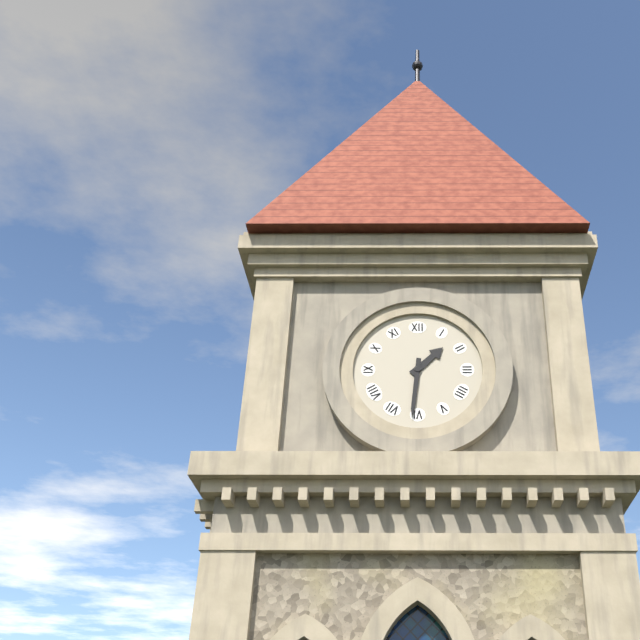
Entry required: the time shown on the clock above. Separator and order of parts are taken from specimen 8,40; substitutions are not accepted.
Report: 1,31
